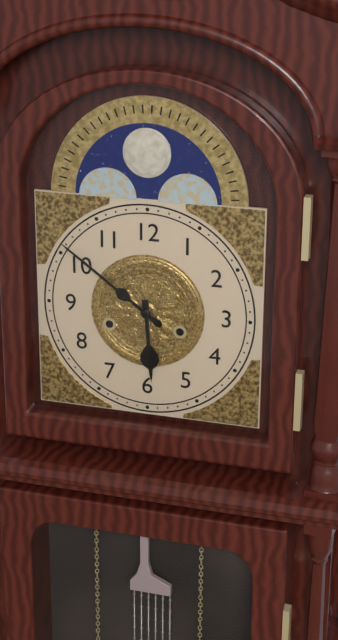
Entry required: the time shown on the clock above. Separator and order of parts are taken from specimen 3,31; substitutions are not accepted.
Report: 5,51
